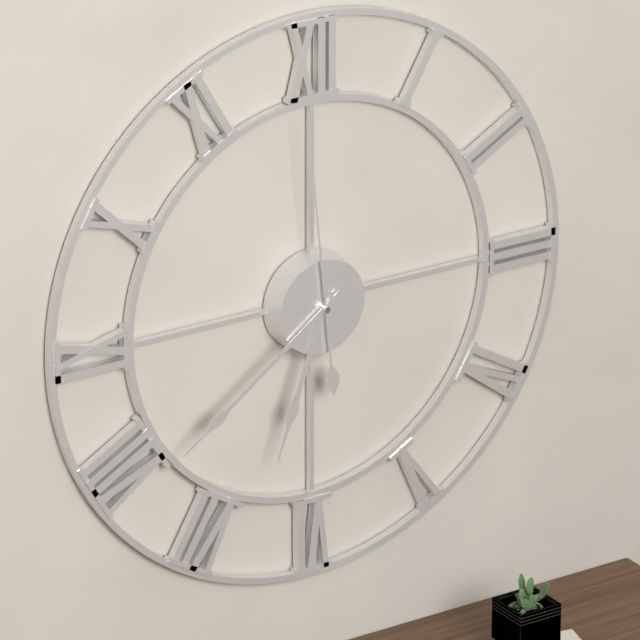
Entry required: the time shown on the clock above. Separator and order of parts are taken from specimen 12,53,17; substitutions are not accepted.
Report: 6,39,59
